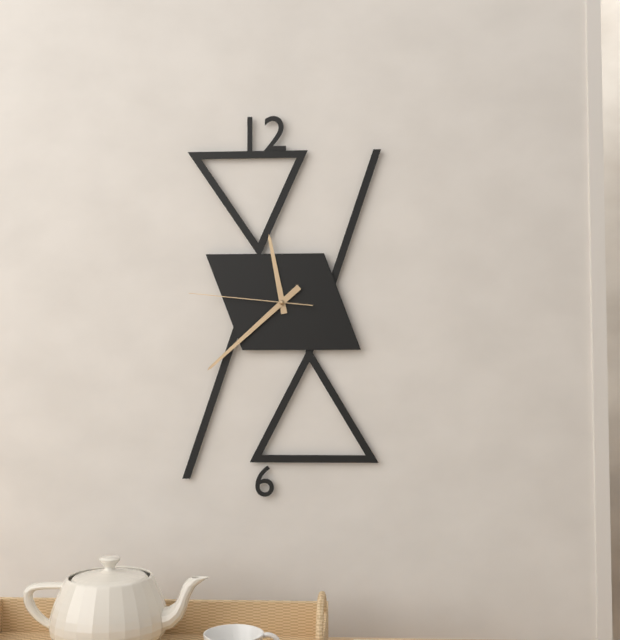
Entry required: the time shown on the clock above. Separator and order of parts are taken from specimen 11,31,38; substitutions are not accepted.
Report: 11,38,46
